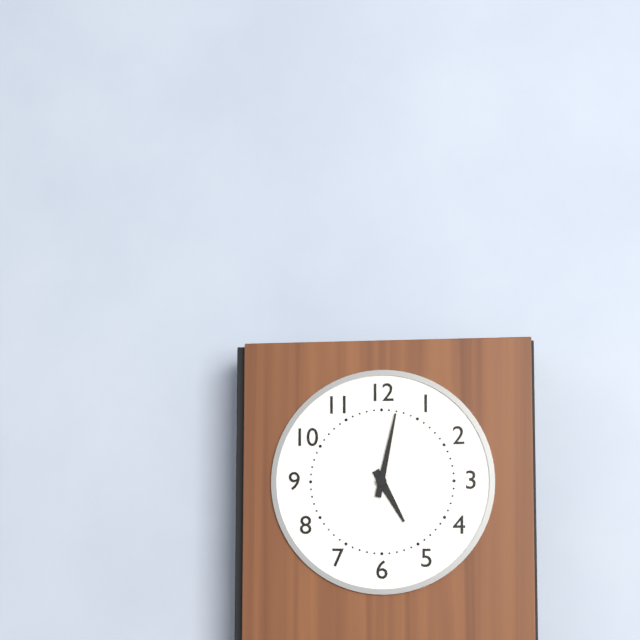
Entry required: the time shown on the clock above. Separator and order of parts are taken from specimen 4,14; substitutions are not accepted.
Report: 5,02
